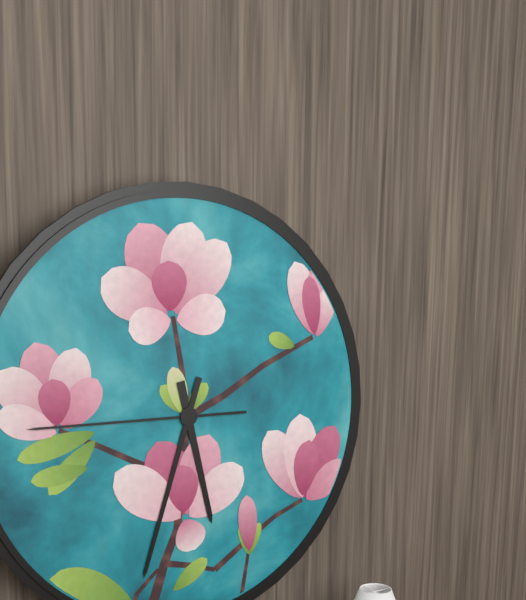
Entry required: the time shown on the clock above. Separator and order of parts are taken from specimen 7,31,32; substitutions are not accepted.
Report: 5,33,45
